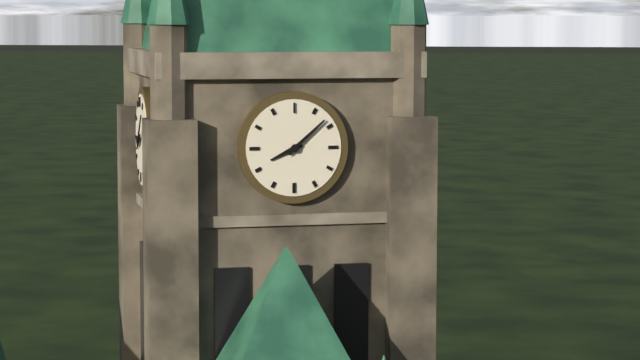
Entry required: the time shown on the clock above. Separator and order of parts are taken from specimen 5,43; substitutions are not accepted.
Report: 8,08
